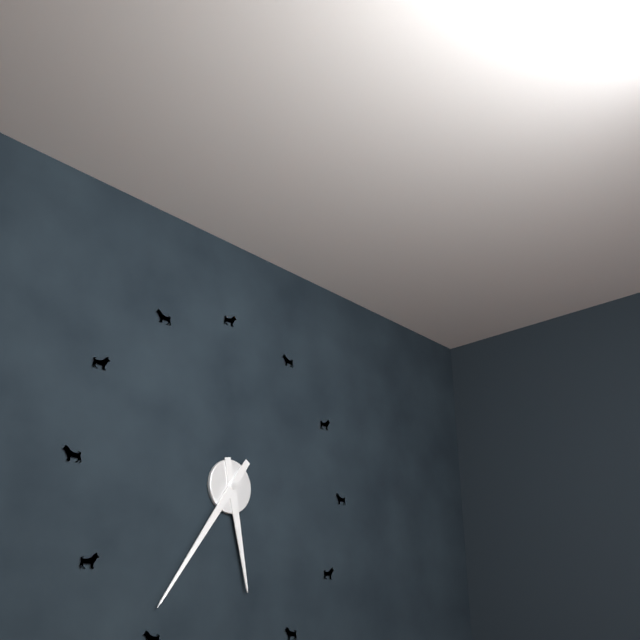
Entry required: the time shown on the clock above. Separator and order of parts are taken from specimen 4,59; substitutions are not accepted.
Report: 5,36
